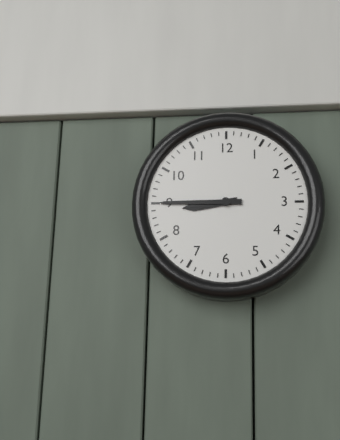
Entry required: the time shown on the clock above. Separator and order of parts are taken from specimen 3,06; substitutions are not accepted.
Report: 8,45
